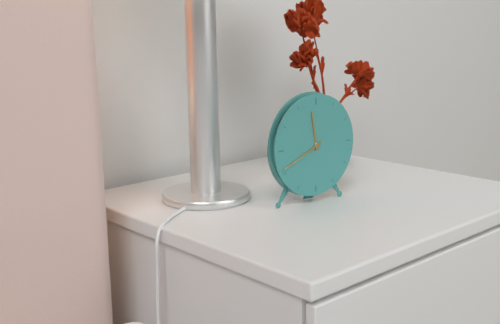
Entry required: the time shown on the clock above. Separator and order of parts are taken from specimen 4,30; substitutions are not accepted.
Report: 11,41
